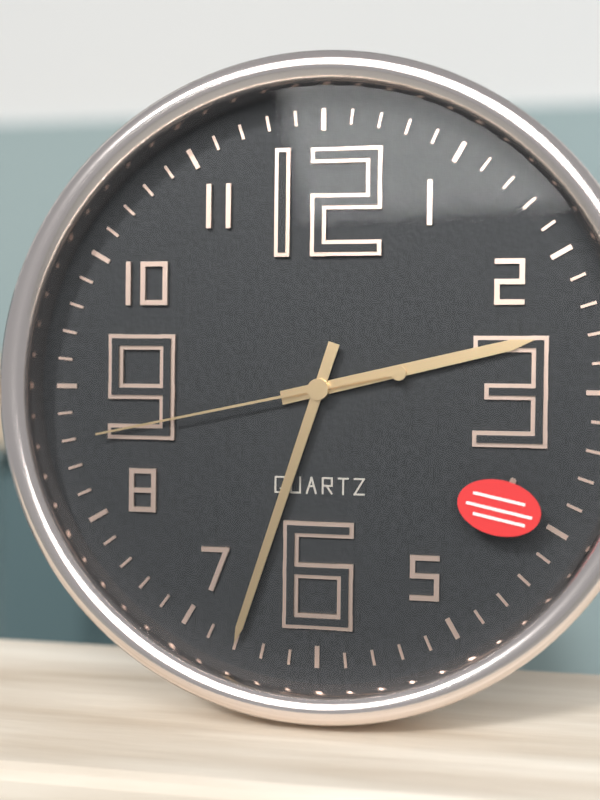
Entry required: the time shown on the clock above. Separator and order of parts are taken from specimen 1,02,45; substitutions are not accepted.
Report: 2,33,43
